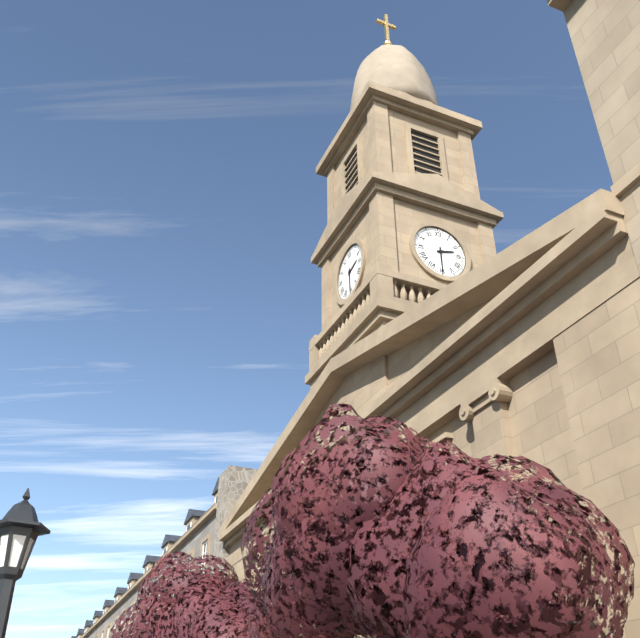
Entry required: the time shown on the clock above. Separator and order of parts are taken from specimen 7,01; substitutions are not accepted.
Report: 2,30
